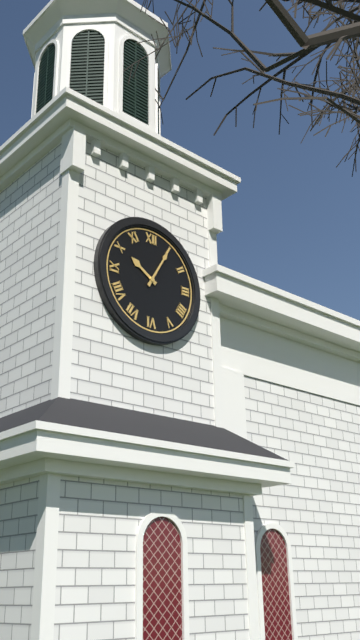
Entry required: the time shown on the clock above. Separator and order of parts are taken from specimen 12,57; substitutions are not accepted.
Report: 10,05
